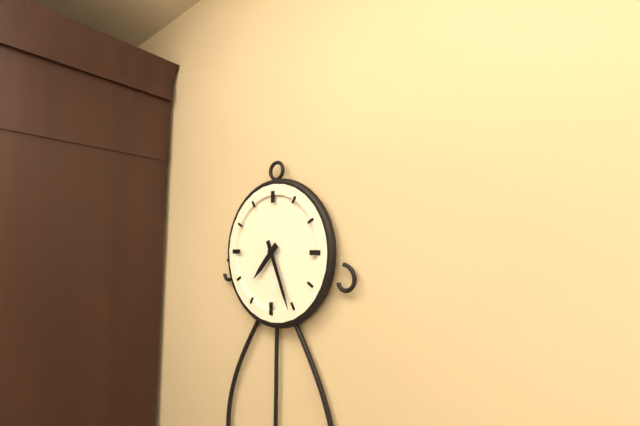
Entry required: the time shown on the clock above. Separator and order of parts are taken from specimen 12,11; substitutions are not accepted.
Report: 7,26
